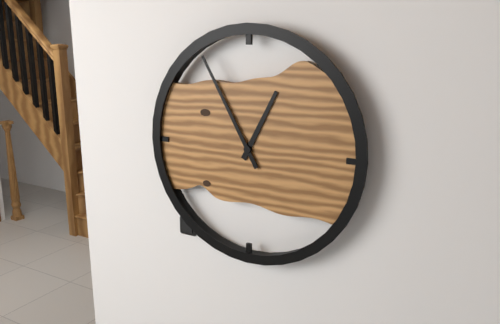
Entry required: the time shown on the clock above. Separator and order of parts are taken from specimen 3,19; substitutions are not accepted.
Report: 12,55
